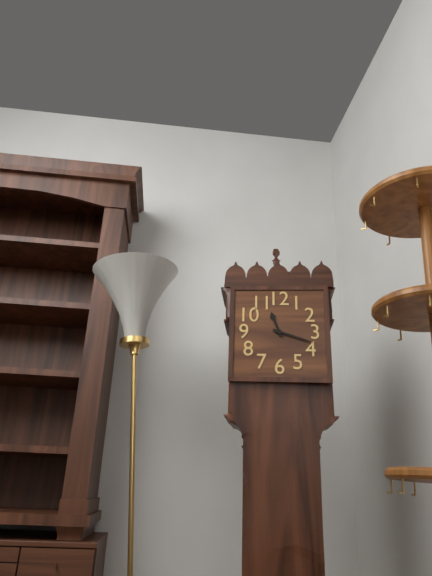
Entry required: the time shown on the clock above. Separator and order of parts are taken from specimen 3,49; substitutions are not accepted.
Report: 11,18
